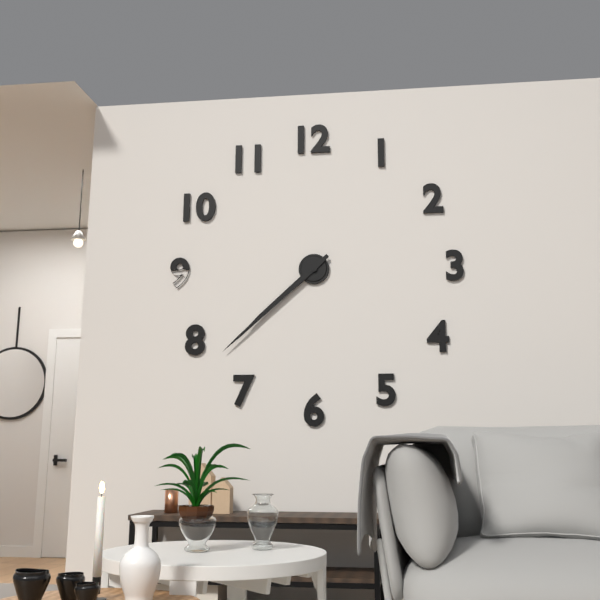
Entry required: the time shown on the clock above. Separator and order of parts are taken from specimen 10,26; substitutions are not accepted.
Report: 7,38
